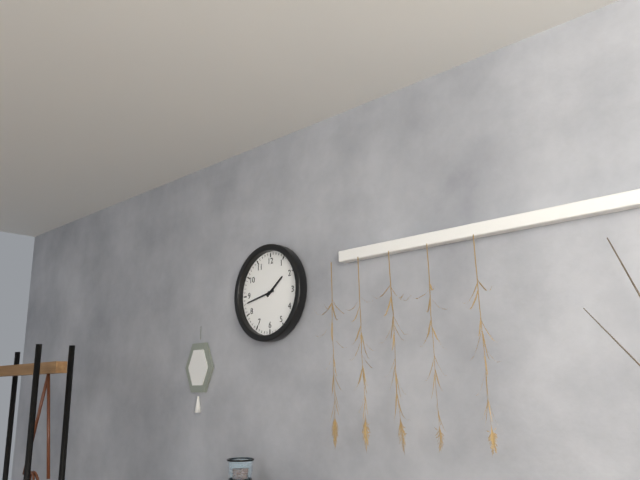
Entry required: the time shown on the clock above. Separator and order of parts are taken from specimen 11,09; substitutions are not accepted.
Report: 1,43
